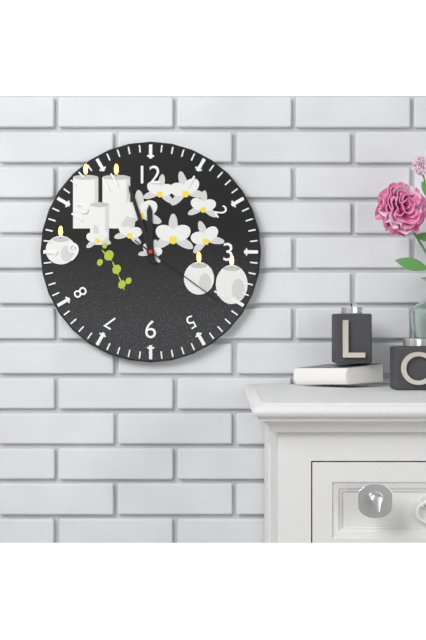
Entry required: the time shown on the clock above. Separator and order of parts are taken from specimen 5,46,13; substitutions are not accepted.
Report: 11,57,21
